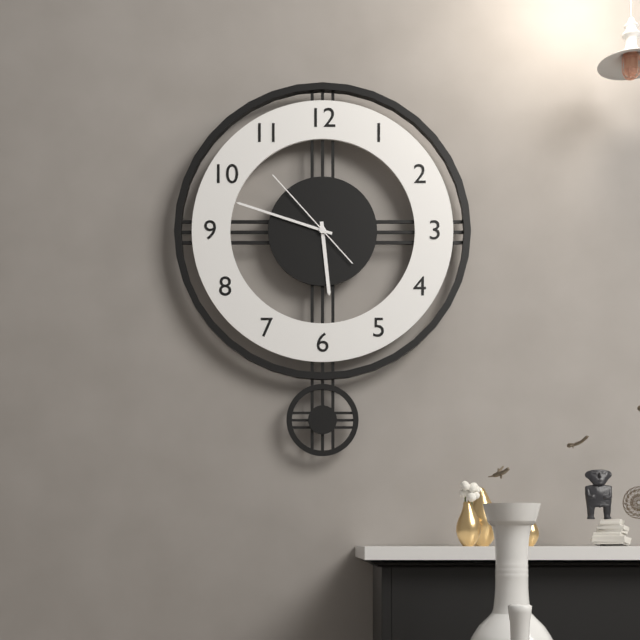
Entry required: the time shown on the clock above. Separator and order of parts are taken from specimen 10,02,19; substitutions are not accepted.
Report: 5,48,53
